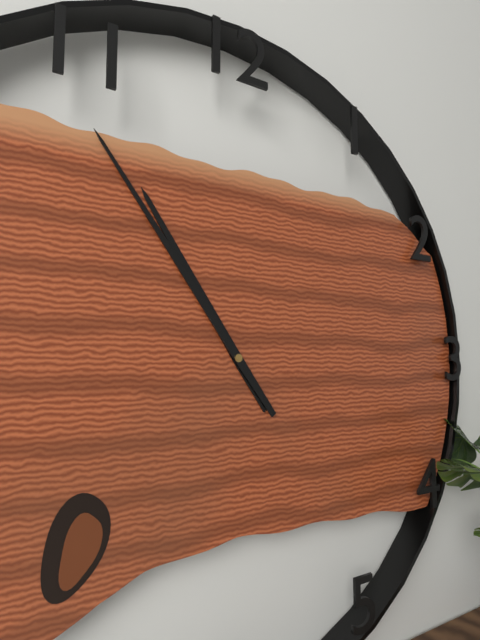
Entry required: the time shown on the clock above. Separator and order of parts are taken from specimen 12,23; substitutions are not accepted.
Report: 10,54
